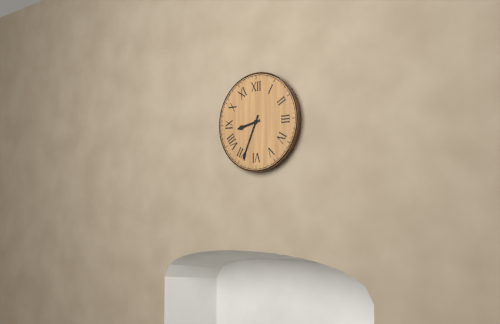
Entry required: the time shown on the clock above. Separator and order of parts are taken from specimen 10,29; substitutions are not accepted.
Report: 8,34
